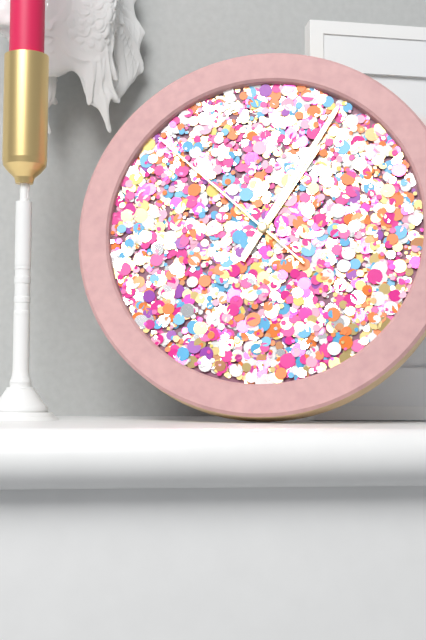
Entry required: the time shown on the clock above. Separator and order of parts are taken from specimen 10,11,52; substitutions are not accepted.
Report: 1,05,52
